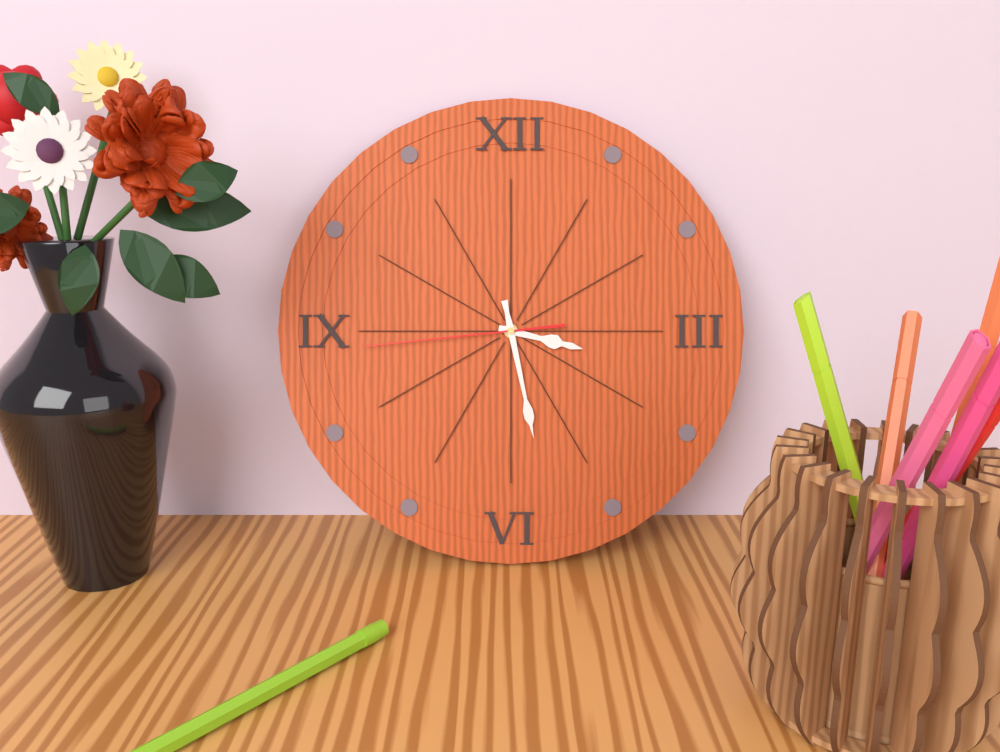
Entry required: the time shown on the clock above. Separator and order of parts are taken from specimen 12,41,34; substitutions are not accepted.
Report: 3,28,44
